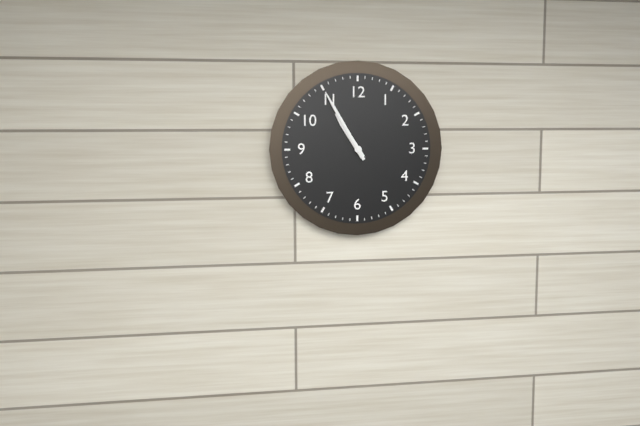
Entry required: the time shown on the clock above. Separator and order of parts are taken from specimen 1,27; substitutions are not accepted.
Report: 10,55
